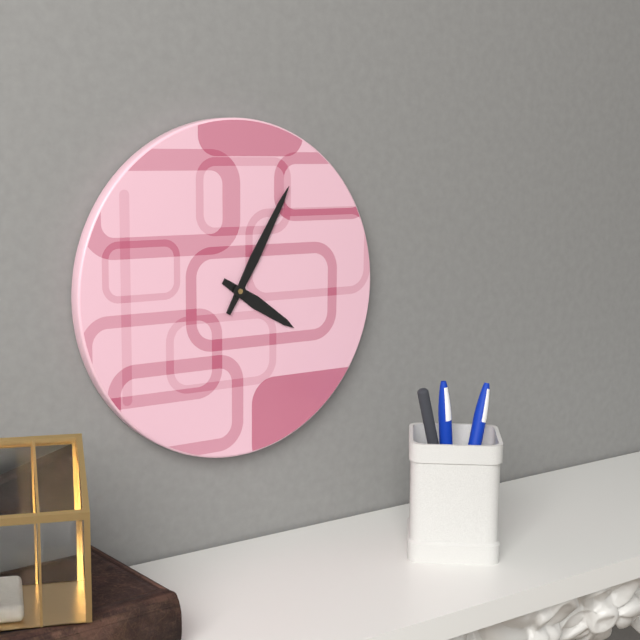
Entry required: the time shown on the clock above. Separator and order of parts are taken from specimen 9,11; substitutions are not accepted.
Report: 4,05
